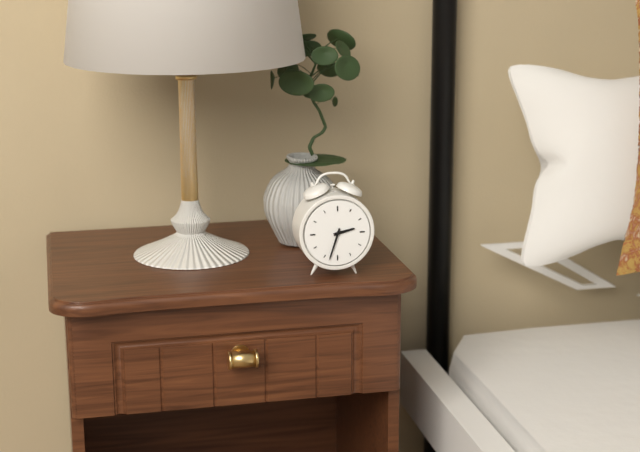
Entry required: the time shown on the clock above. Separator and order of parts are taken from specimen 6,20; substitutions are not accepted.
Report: 2,33
